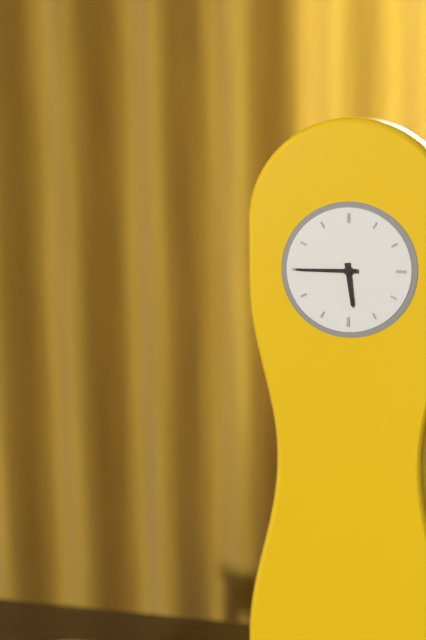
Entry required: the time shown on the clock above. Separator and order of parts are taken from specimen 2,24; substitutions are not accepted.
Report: 5,45
